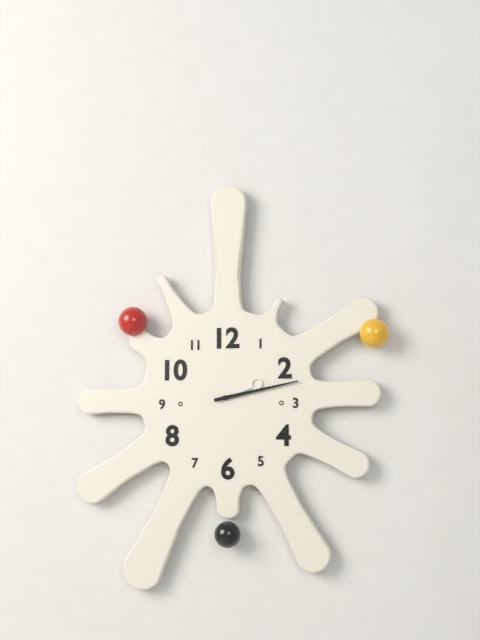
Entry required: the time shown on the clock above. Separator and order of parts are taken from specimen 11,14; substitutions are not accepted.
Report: 2,13
